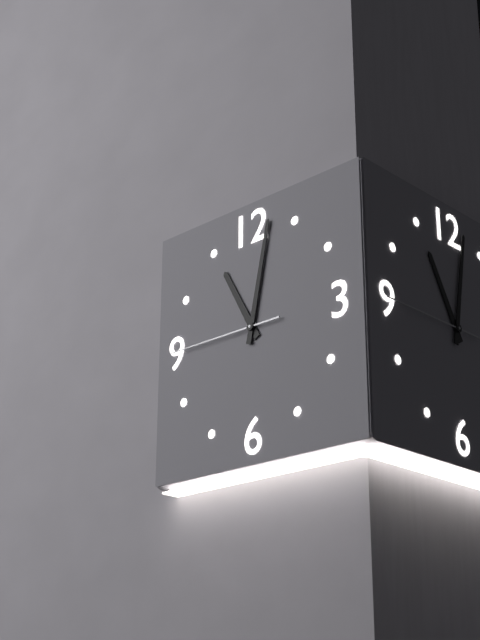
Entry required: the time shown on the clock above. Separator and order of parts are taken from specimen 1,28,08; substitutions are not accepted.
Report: 11,02,45
